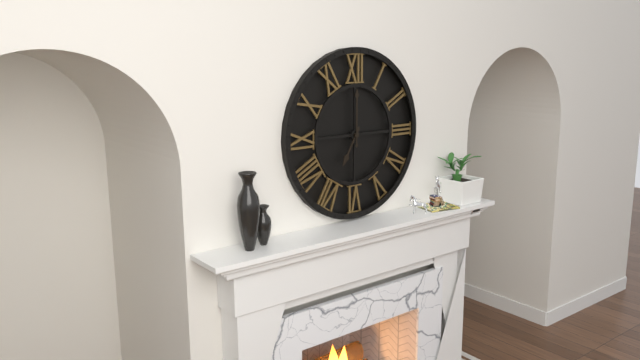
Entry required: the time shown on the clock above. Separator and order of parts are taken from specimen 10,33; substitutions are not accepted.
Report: 7,00
